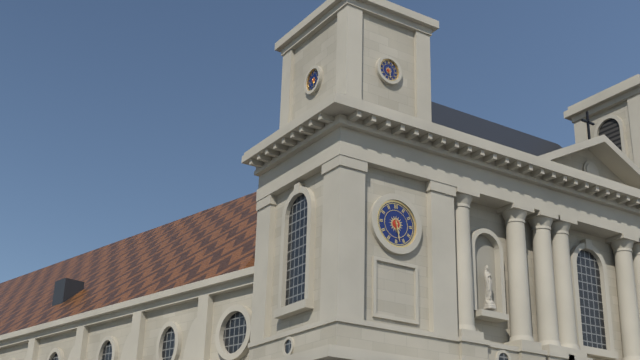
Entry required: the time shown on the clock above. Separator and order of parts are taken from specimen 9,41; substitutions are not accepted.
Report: 5,28
